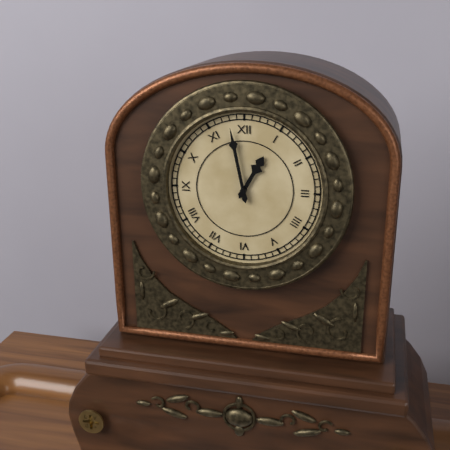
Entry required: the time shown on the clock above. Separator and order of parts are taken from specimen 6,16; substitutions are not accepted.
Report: 12,58
